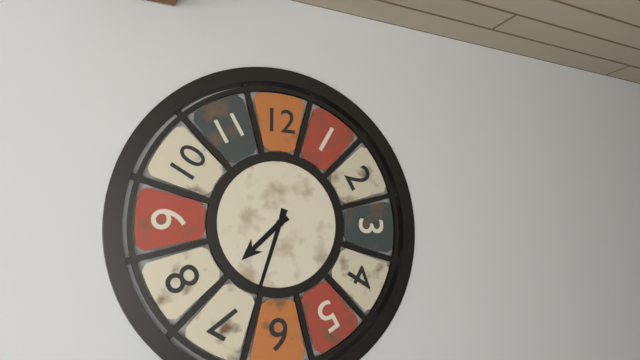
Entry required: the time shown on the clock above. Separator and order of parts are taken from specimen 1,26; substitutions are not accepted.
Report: 7,33
